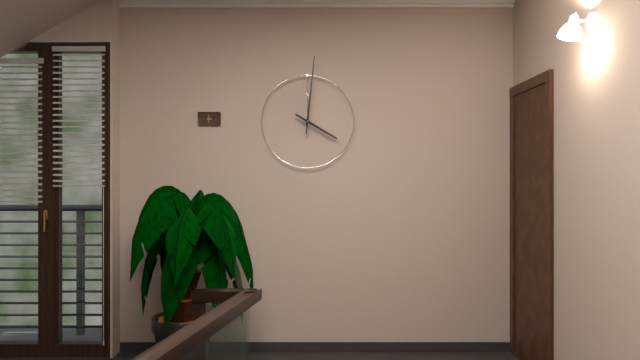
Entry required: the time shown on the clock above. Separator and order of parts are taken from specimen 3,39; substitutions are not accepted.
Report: 4,01
